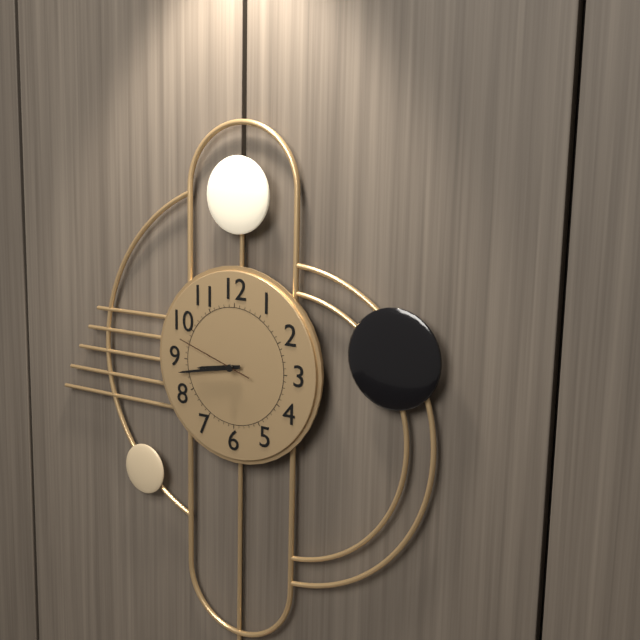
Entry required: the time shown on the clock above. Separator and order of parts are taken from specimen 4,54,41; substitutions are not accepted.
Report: 8,43,48
